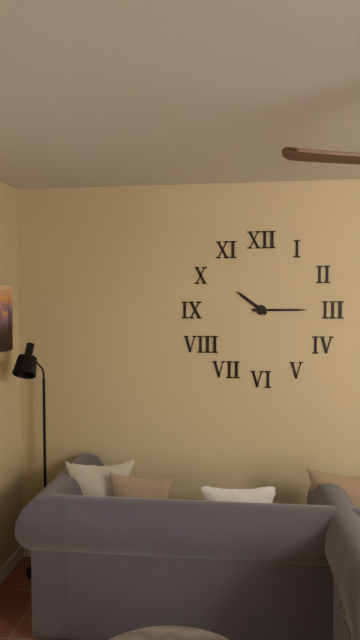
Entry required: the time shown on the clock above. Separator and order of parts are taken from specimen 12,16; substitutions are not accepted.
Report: 10,15
